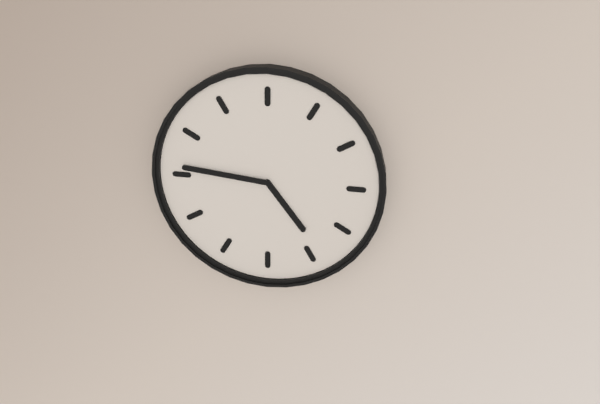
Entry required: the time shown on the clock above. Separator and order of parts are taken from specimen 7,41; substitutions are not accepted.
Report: 4,46
